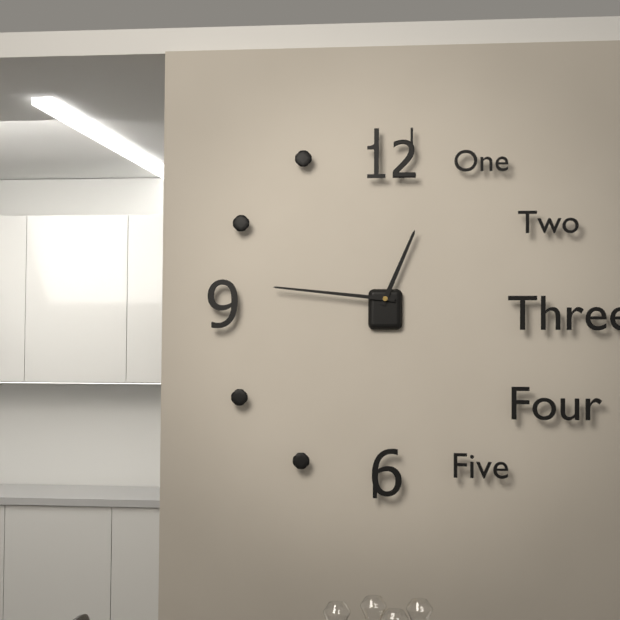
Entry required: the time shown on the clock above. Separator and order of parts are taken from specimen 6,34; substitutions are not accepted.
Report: 12,46
